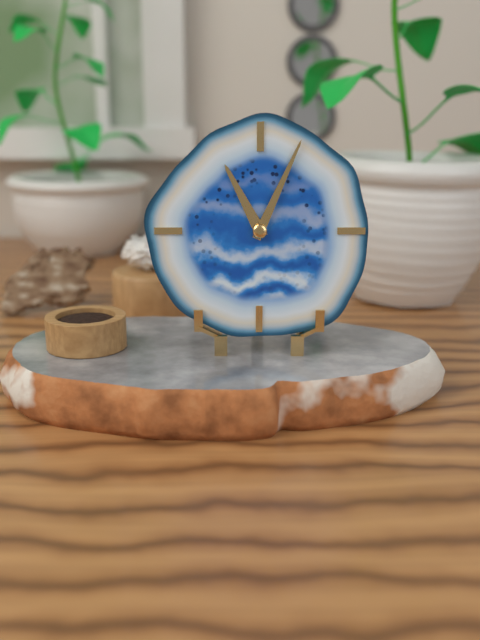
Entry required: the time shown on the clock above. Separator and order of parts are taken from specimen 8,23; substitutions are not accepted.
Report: 11,04
